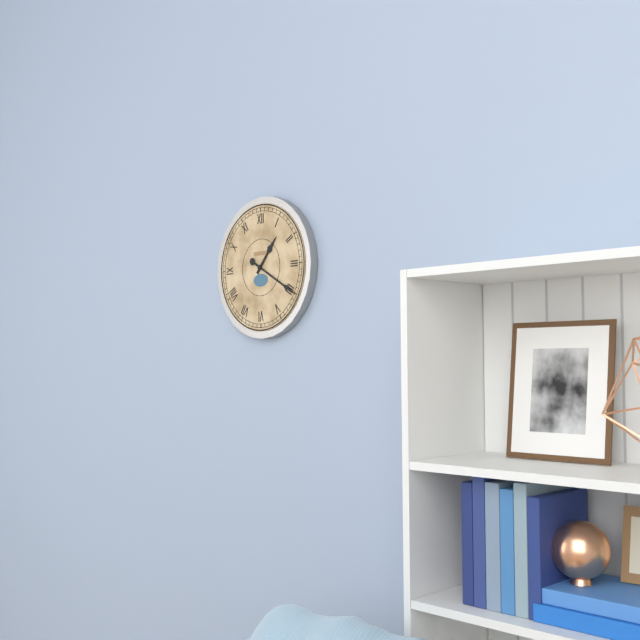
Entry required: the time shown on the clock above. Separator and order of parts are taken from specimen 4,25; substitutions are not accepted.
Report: 1,20
